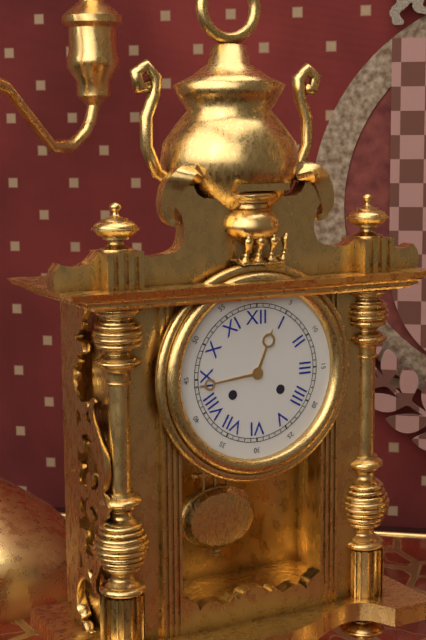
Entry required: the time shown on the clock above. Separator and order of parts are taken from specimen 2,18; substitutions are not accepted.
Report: 12,44
